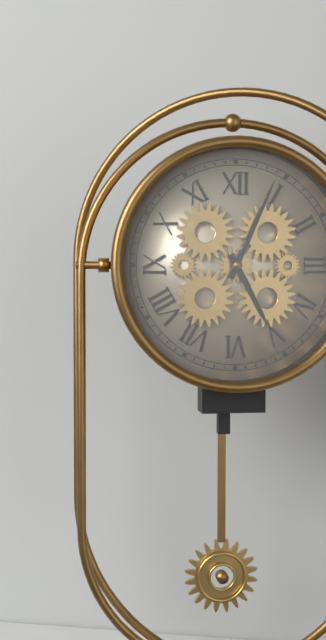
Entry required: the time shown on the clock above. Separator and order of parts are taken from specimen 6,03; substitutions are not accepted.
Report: 5,04
